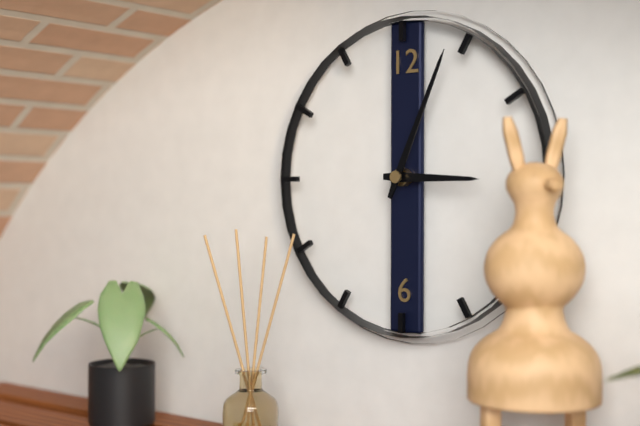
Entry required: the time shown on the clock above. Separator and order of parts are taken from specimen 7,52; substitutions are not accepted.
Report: 3,04
